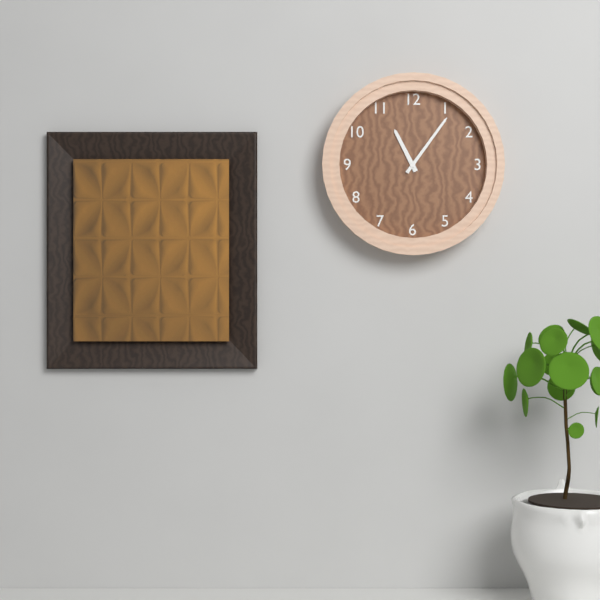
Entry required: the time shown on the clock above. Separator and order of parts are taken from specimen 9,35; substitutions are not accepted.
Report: 11,06
